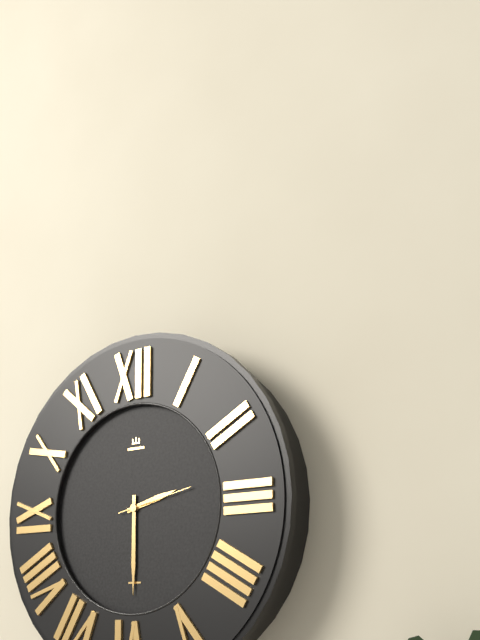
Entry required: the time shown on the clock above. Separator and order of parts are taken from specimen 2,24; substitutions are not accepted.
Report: 2,30
